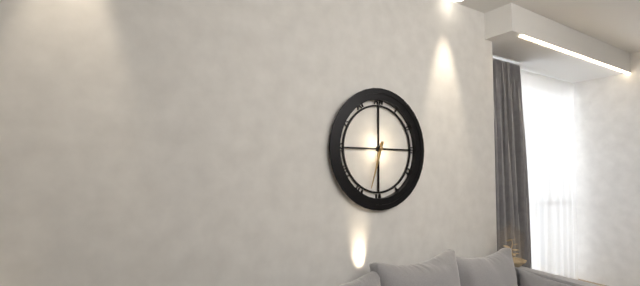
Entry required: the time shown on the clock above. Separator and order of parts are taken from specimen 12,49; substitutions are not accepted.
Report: 6,33
